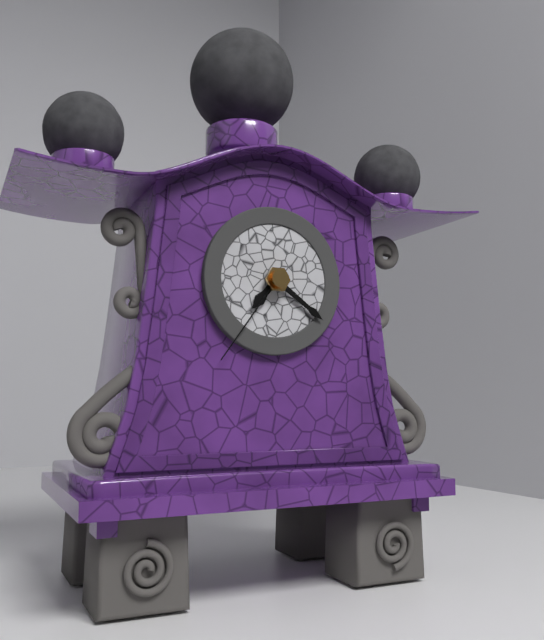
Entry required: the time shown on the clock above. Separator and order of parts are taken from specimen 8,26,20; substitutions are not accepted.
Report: 7,21,36
